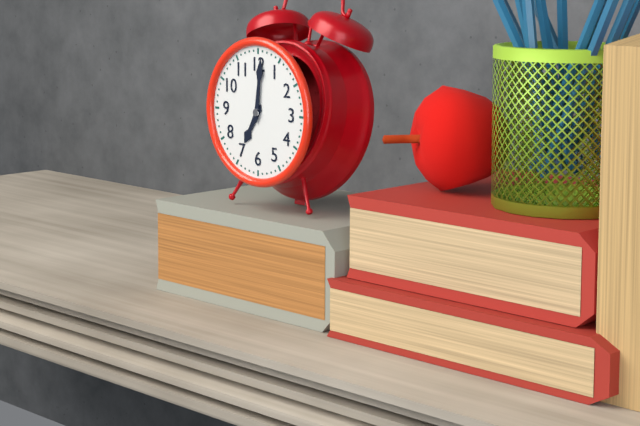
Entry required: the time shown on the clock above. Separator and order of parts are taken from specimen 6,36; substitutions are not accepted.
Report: 7,01
